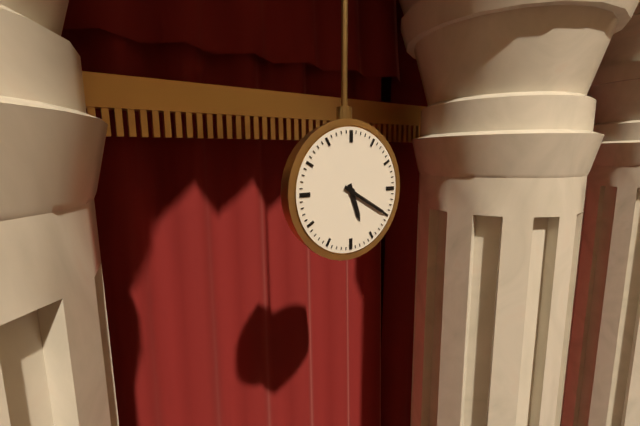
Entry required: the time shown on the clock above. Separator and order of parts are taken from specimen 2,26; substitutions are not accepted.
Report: 5,20
